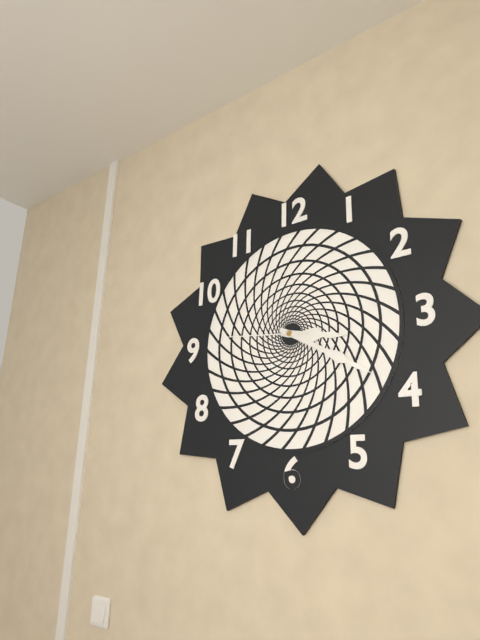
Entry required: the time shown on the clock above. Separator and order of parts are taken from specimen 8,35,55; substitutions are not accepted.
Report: 3,20,46
